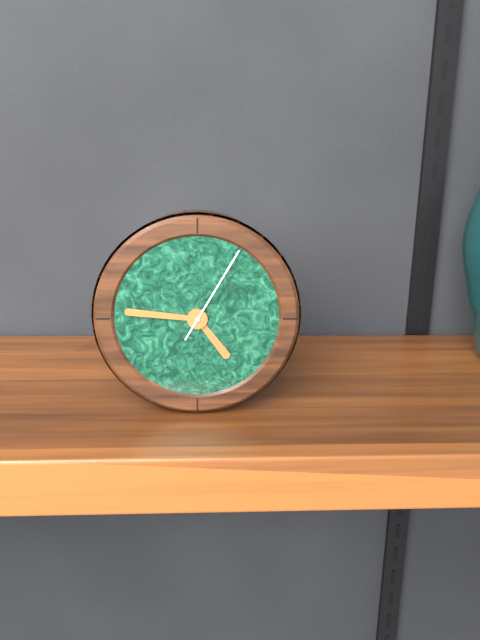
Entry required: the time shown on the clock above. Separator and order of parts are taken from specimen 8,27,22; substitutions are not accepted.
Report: 4,46,05
